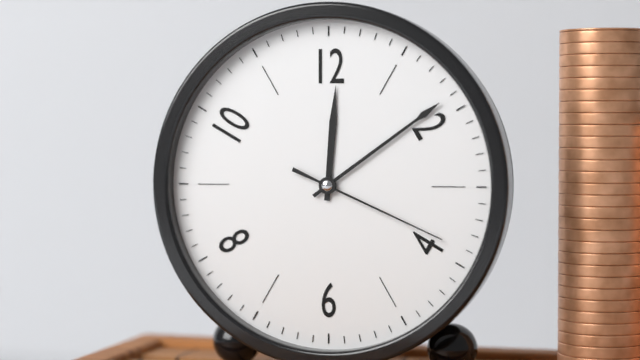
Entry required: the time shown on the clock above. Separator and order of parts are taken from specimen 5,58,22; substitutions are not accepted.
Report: 12,09,19
